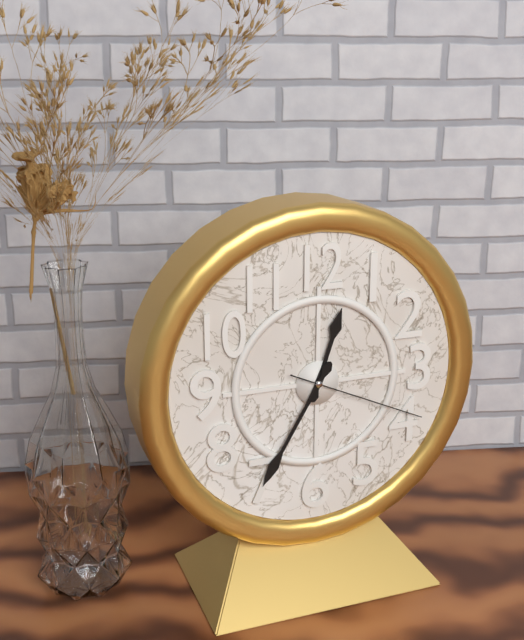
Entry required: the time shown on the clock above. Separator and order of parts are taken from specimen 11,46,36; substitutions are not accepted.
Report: 12,35,19
